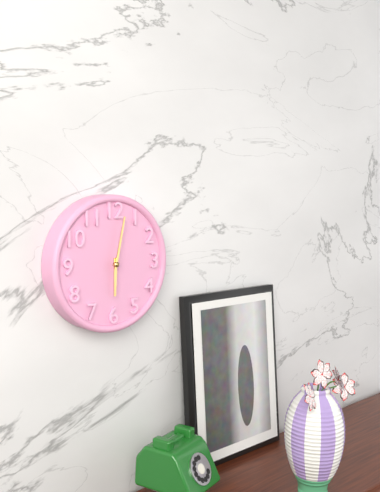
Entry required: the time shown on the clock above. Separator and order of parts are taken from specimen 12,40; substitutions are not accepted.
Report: 6,02
